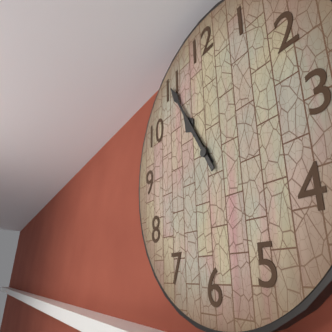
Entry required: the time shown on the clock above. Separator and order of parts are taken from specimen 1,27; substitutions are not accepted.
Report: 10,55
